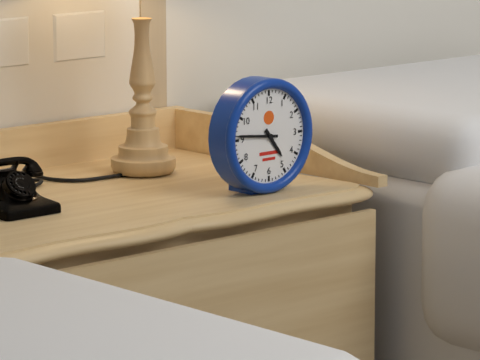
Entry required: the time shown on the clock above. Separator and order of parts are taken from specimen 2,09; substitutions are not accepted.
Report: 4,46
